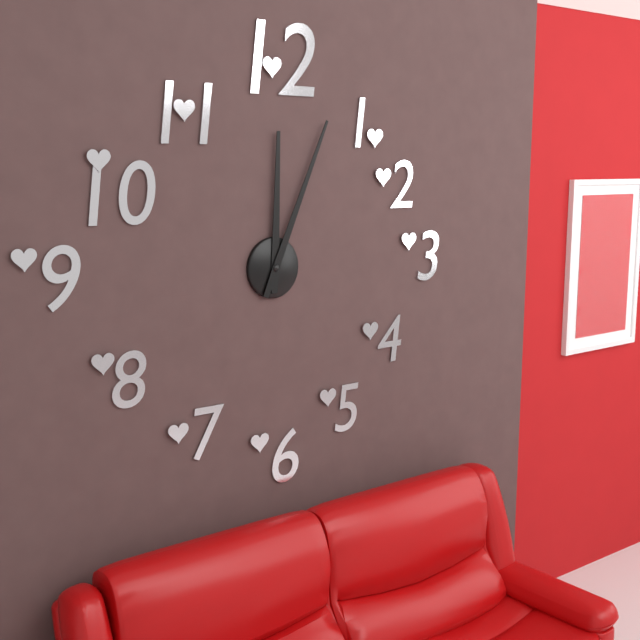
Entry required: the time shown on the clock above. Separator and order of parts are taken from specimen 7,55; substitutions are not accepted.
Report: 12,04
